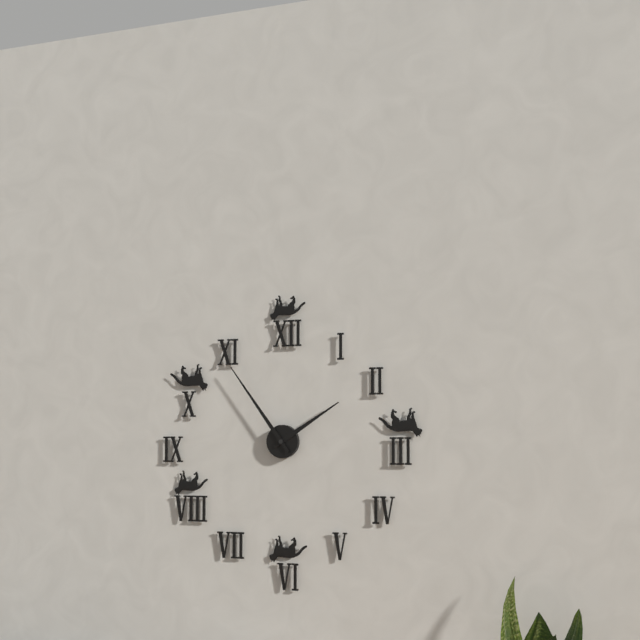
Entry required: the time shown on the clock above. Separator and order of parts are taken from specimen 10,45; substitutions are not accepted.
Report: 1,54
